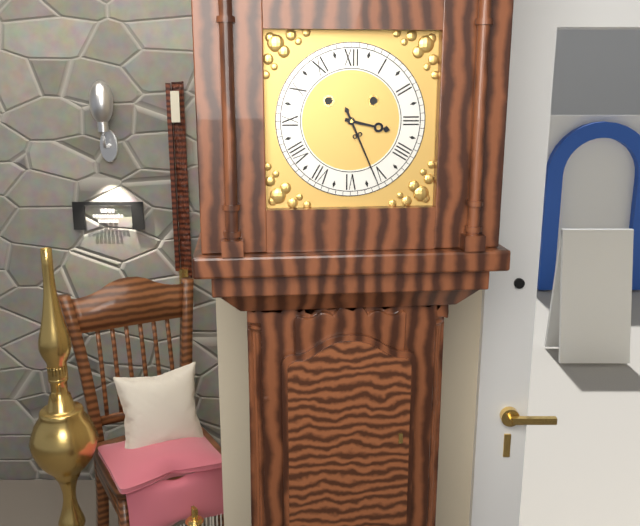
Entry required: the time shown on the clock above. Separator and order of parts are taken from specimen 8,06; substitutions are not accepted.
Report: 3,26
